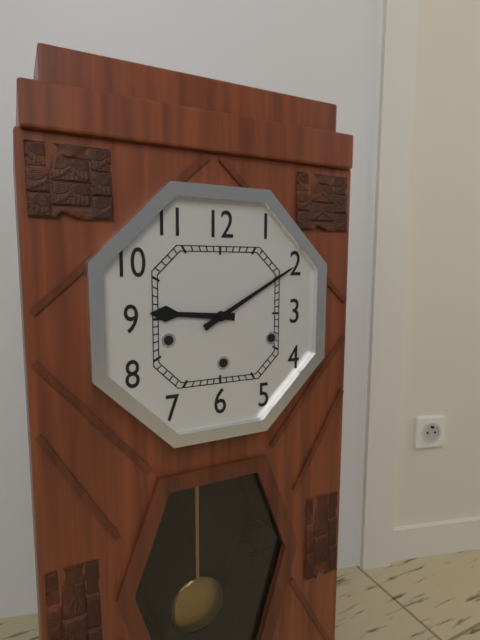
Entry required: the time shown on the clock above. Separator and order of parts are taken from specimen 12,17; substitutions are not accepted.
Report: 9,10
